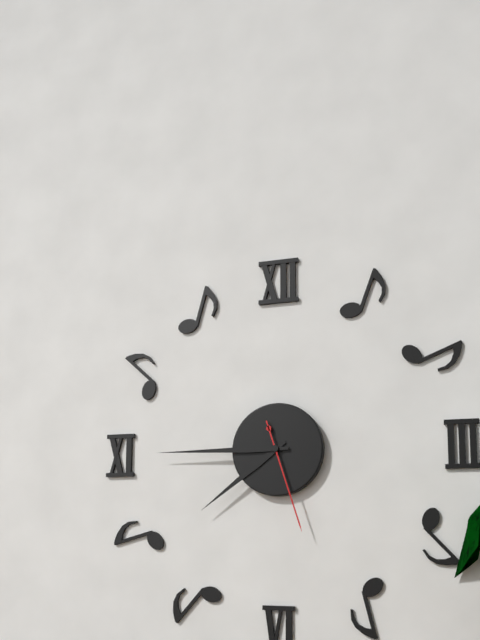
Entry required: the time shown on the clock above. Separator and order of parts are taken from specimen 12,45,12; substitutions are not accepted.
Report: 7,45,27
